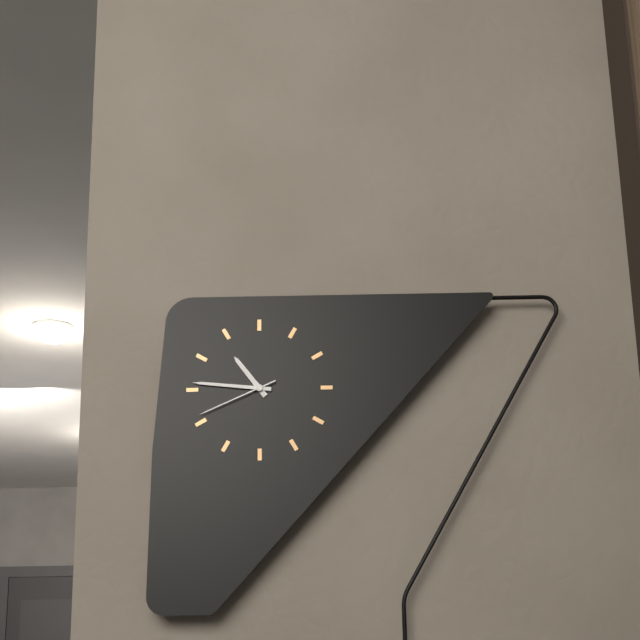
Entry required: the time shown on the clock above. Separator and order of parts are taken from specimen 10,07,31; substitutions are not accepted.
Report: 10,46,41
